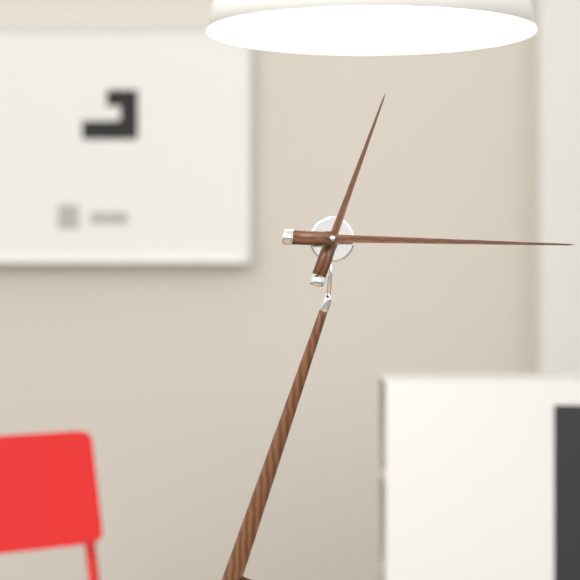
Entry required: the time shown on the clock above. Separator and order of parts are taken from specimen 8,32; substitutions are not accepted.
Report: 12,13
